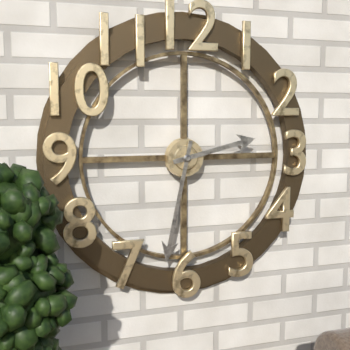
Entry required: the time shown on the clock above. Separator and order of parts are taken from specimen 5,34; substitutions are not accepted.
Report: 2,32
